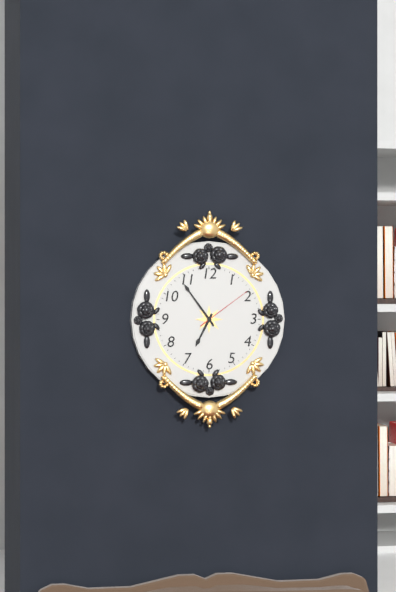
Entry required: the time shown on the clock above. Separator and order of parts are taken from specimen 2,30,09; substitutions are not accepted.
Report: 6,54,09
